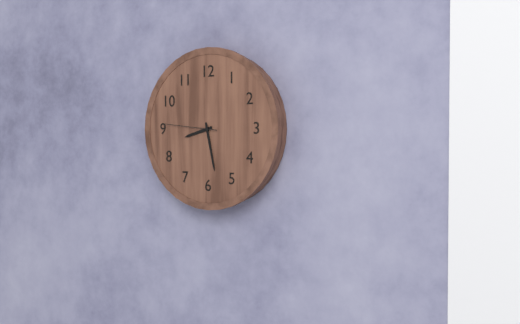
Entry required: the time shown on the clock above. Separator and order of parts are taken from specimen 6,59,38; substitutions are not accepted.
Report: 8,28,46
